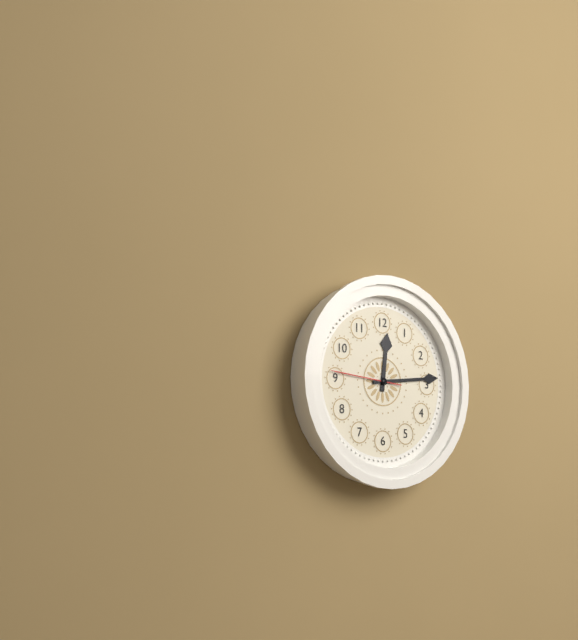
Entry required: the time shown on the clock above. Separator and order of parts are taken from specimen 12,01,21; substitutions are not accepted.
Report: 12,14,46
